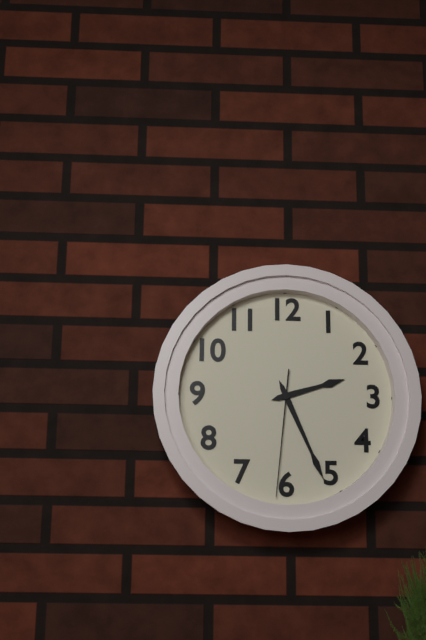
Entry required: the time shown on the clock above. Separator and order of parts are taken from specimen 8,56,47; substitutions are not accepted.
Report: 2,26,31
